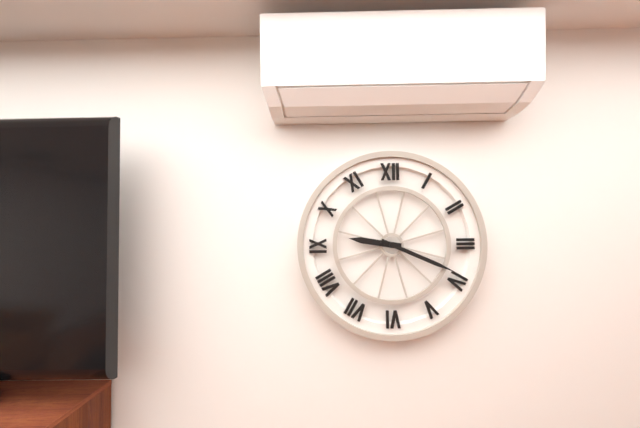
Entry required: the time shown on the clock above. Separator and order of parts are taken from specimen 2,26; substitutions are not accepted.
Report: 9,19
